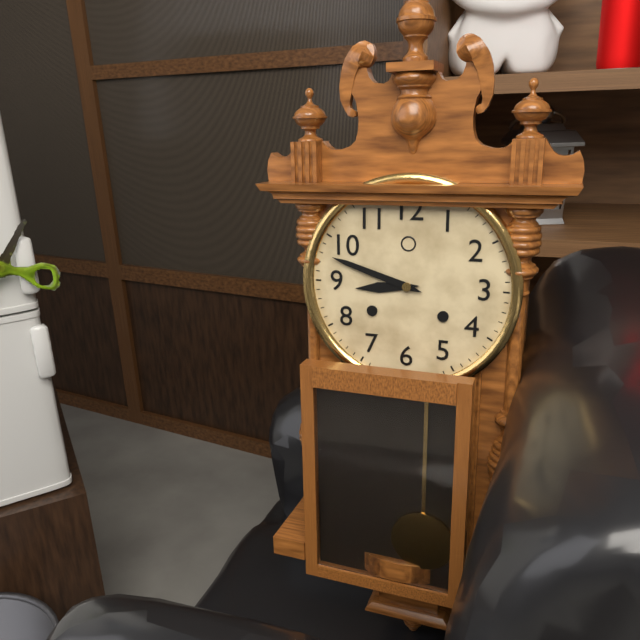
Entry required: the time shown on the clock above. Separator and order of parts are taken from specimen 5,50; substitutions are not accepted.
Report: 8,48
